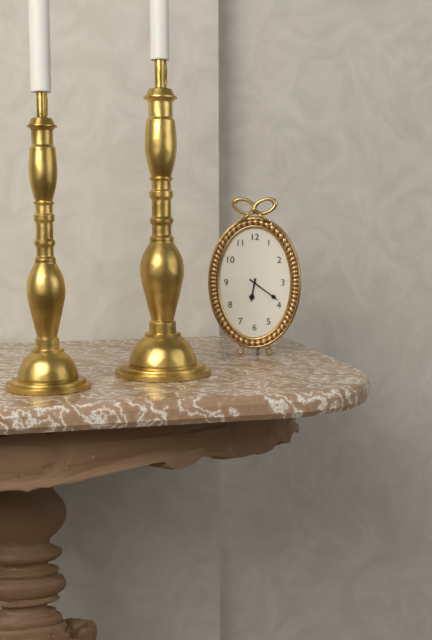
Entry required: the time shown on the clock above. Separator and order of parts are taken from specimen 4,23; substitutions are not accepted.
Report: 6,21
